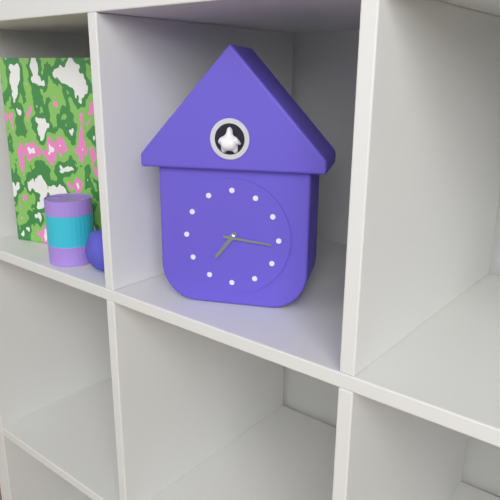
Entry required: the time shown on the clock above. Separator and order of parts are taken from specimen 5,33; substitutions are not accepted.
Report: 7,16
